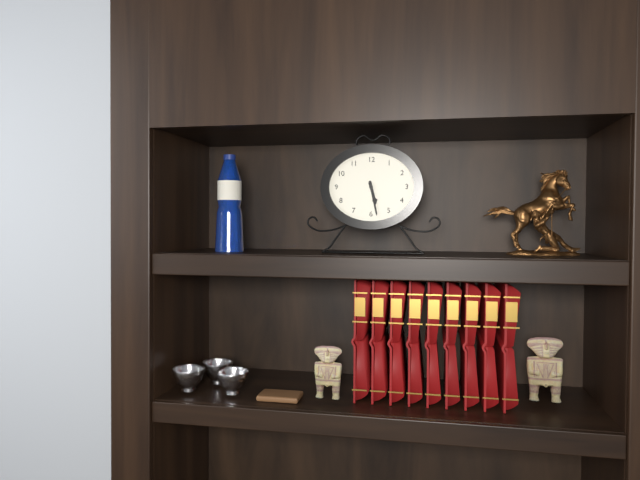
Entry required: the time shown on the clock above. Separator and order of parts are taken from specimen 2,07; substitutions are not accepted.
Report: 5,28
